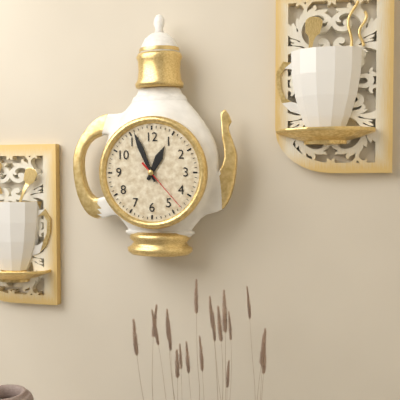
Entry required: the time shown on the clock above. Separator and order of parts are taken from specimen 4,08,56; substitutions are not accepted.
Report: 12,56,23
